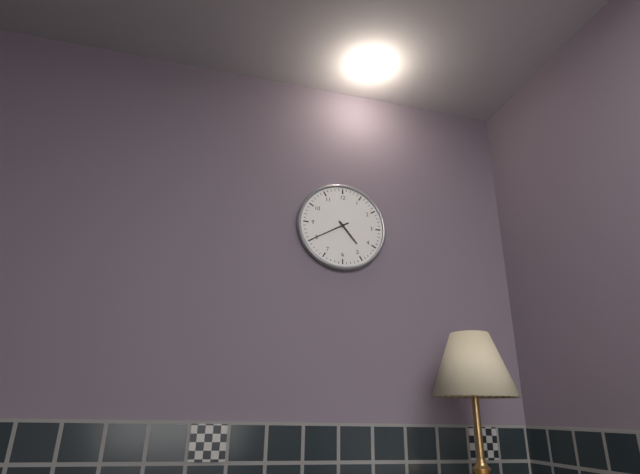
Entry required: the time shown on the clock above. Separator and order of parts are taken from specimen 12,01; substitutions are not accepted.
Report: 4,40
